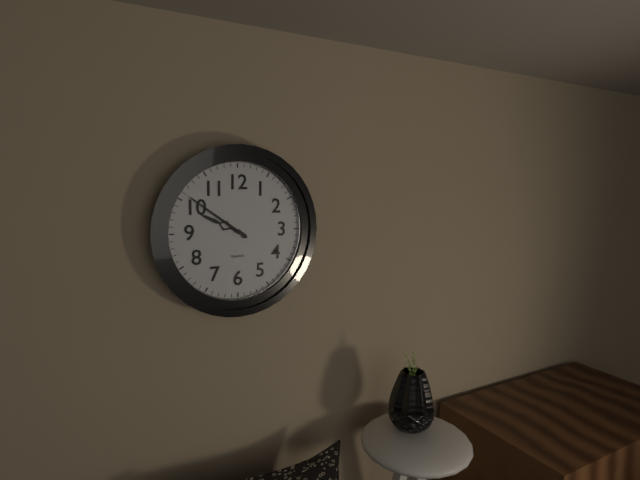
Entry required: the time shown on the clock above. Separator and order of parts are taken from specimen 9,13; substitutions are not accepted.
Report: 9,51
